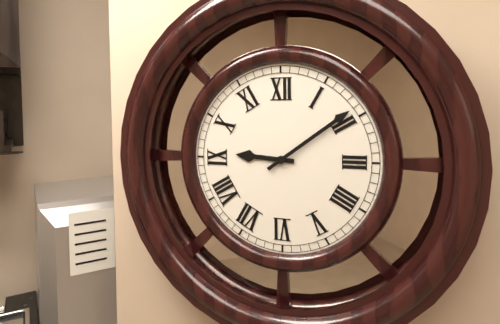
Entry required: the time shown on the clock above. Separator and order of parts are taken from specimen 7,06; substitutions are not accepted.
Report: 9,09
